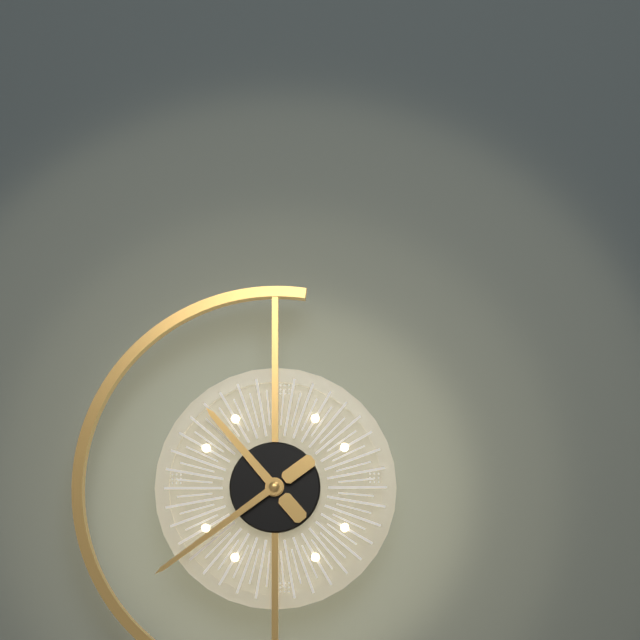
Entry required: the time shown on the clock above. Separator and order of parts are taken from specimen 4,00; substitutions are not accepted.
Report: 10,39
